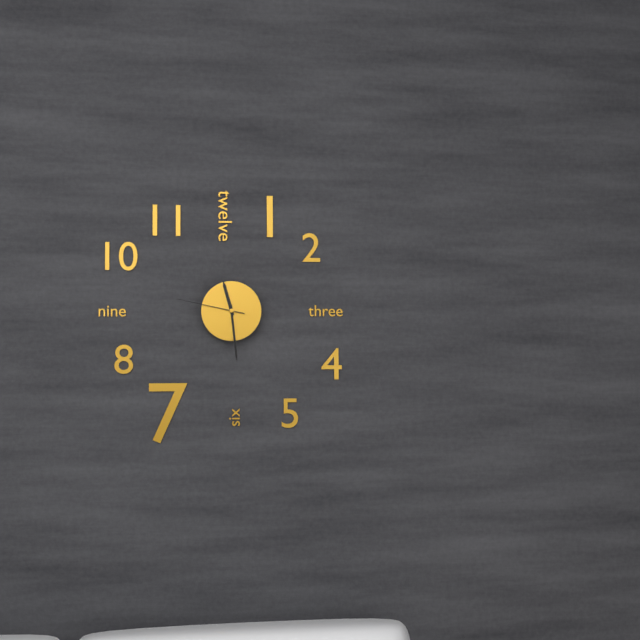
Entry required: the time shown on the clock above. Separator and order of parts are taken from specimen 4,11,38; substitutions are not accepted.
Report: 11,29,47
